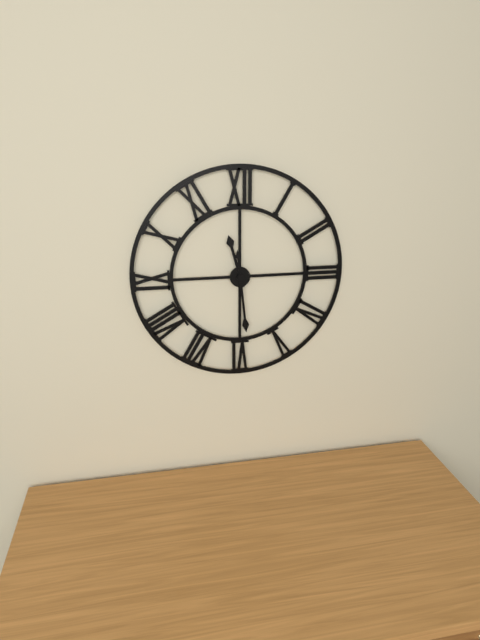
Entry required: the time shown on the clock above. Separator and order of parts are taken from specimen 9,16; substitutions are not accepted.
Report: 11,29
